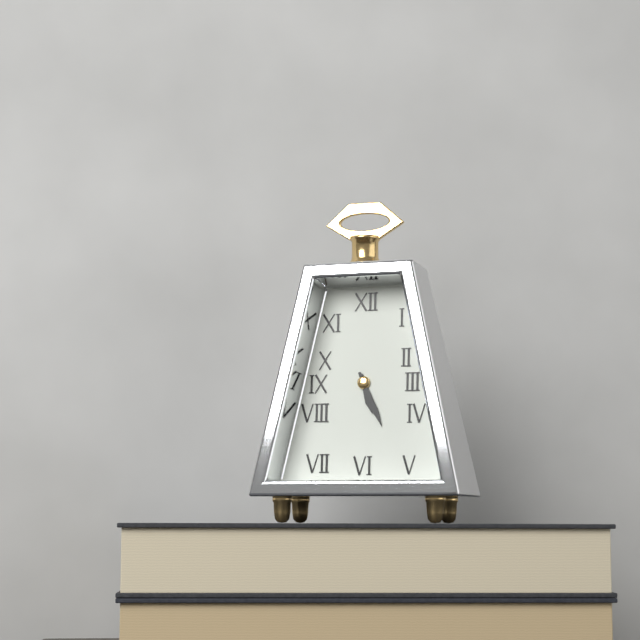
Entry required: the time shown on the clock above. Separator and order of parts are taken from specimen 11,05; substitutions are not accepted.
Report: 5,26
